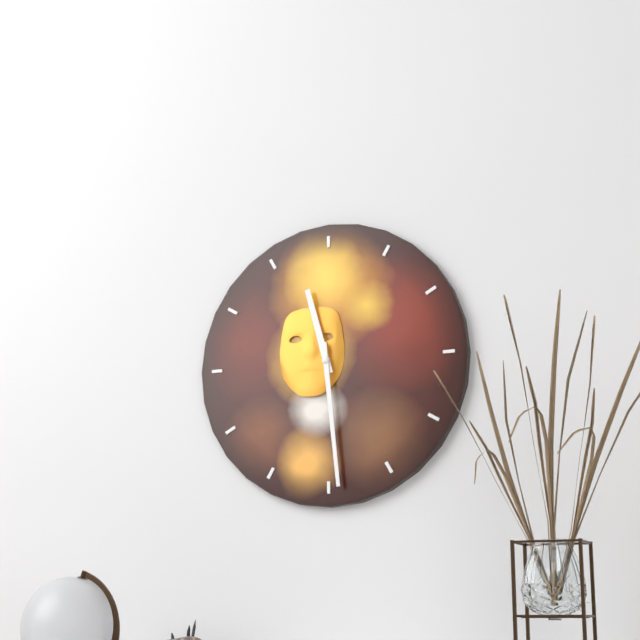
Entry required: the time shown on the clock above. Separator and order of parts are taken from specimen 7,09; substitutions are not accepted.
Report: 11,29
